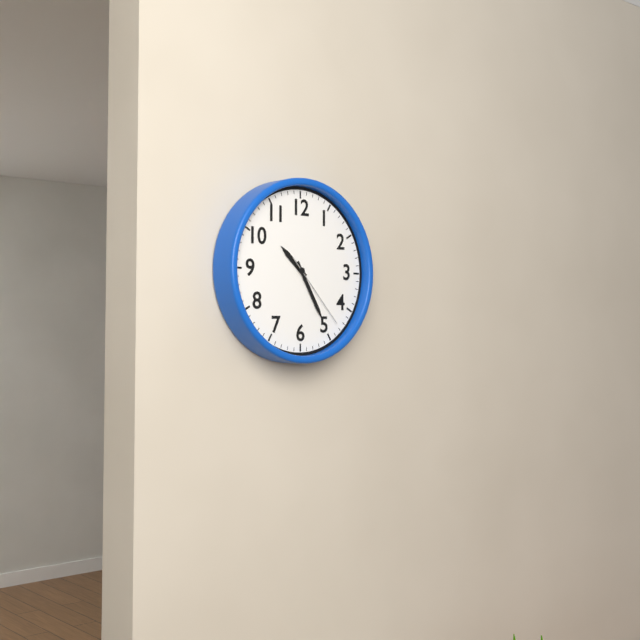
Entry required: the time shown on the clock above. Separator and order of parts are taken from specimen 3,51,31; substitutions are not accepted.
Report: 10,25,23
